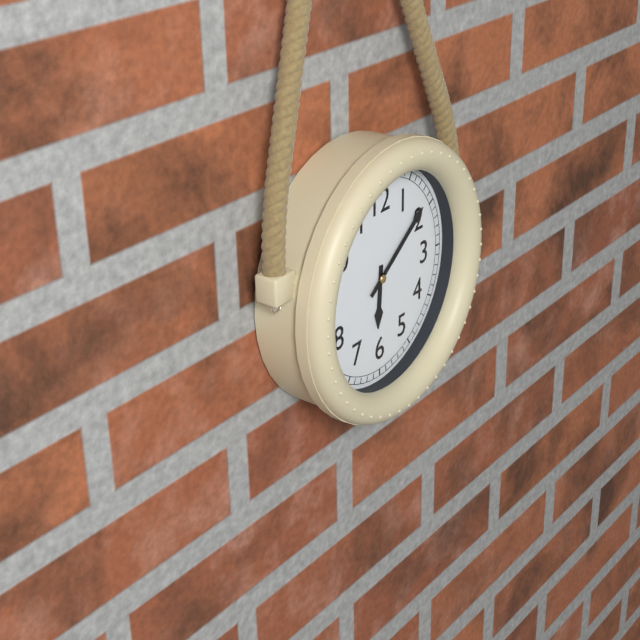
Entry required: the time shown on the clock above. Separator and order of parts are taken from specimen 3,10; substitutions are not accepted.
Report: 6,09
